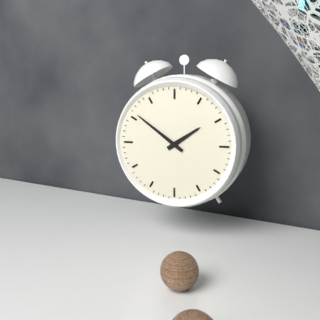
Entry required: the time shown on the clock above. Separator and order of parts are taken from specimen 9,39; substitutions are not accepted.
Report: 1,51
